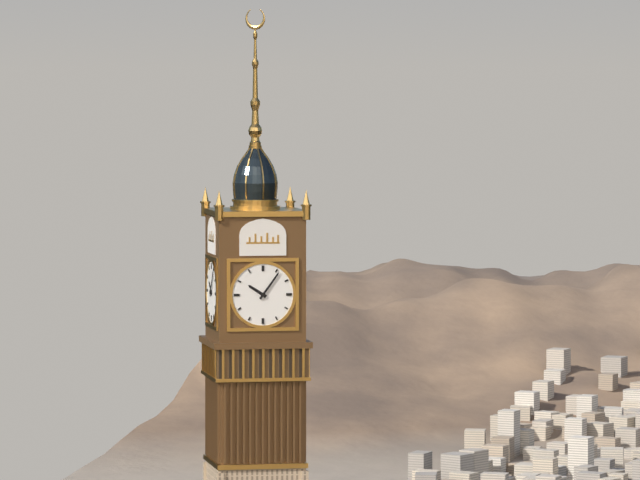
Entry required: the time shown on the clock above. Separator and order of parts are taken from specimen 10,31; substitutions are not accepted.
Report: 10,06
